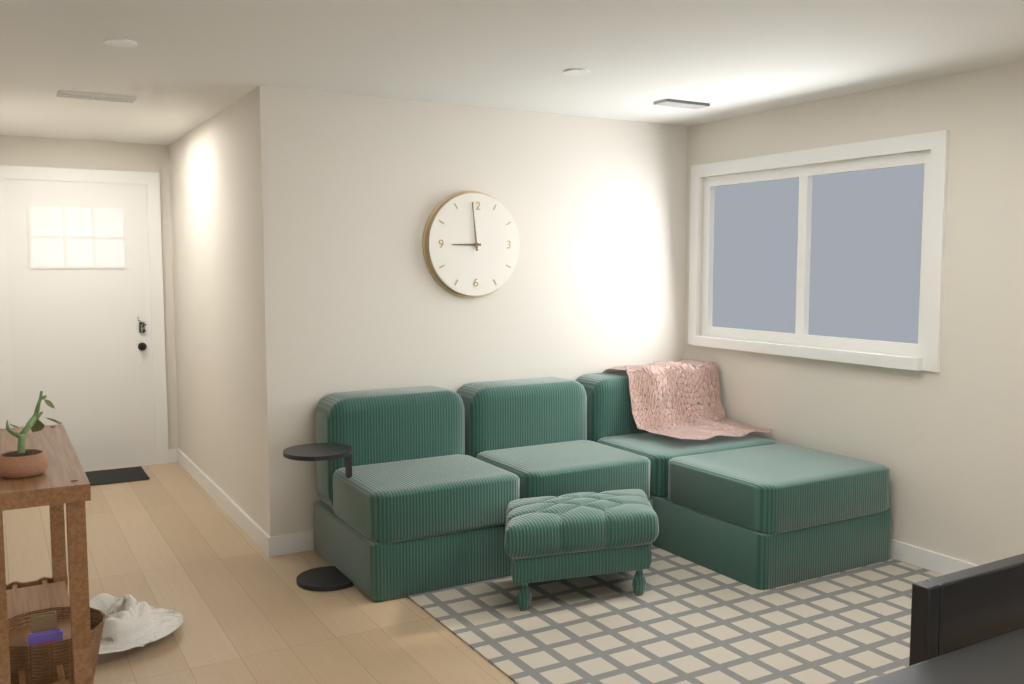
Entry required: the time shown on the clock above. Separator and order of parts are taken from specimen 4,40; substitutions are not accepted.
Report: 8,59
